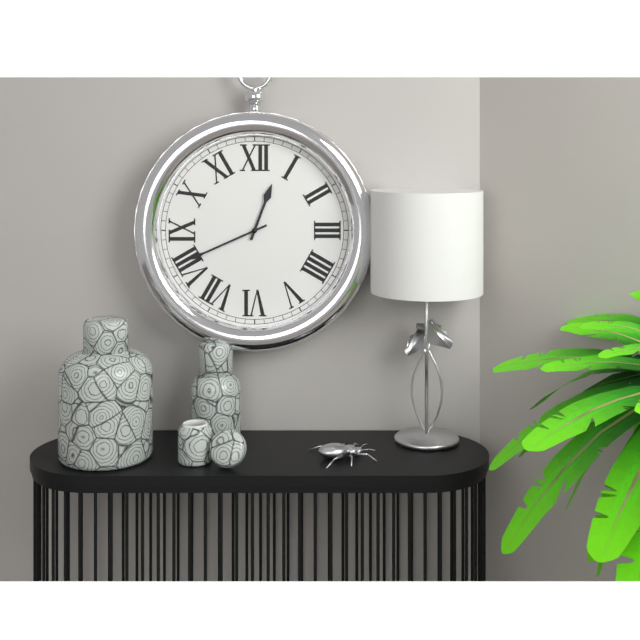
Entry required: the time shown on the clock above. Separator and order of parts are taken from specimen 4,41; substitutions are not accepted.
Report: 12,41
